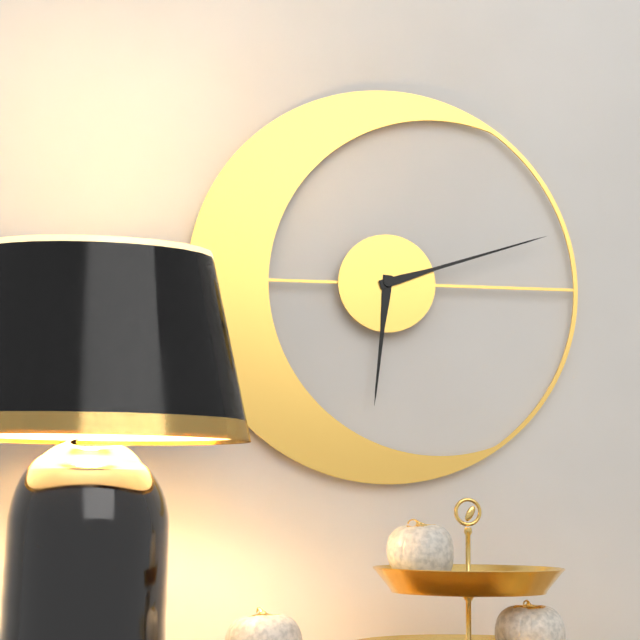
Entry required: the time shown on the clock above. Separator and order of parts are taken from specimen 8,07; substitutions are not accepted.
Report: 6,12
